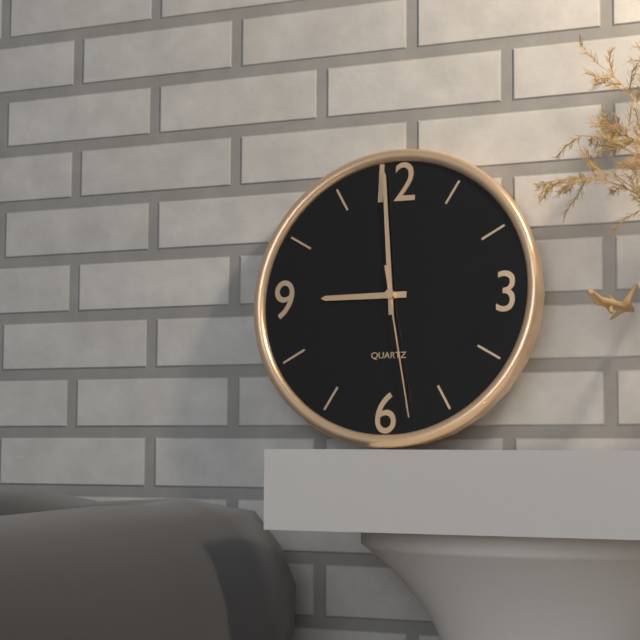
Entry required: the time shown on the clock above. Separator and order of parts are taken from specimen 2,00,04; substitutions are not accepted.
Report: 8,59,28
